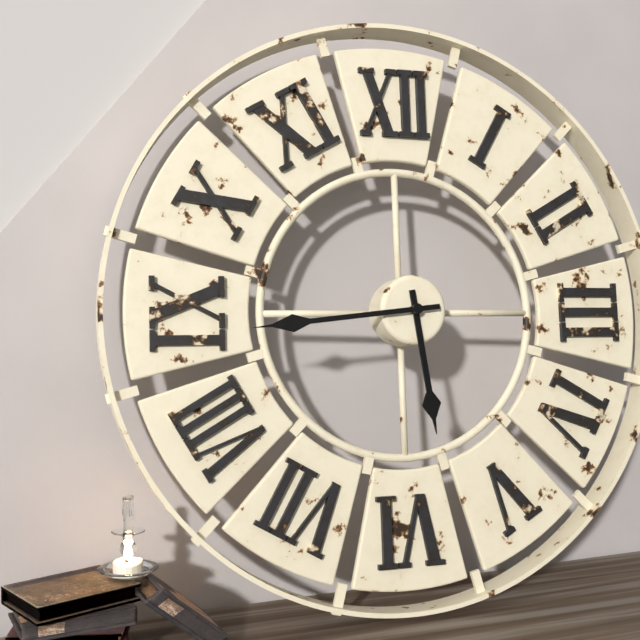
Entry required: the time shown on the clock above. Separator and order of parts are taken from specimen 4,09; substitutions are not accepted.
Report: 5,44
